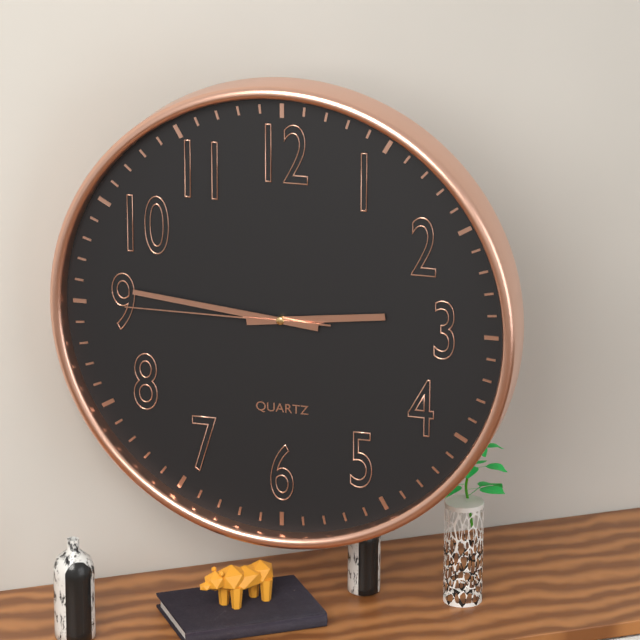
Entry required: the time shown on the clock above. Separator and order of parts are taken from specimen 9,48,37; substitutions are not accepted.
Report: 2,46,45
